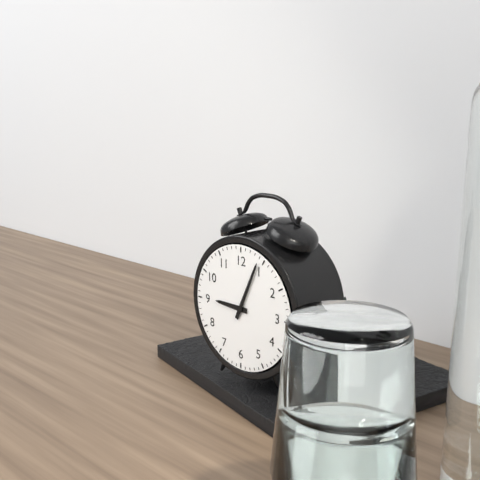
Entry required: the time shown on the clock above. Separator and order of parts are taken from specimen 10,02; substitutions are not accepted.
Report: 9,04
